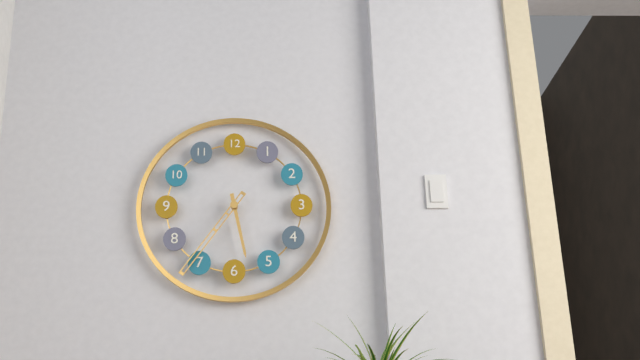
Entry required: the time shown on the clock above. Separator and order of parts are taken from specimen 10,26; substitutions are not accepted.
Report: 5,36
